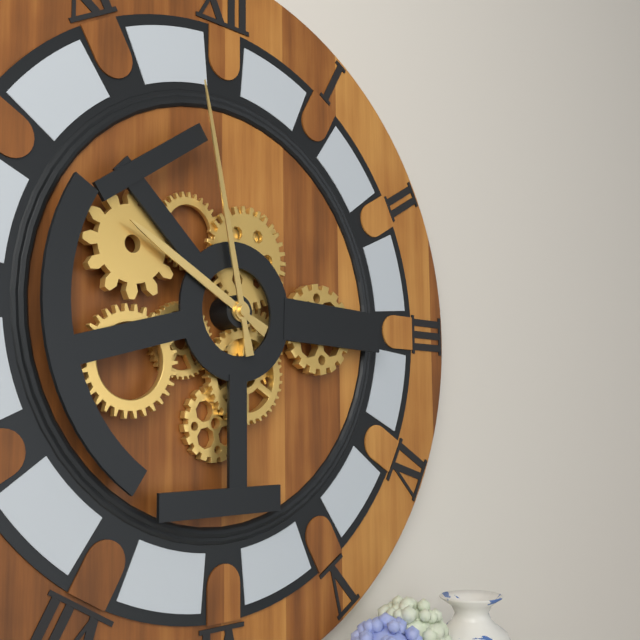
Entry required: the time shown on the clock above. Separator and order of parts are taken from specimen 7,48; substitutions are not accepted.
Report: 9,58
